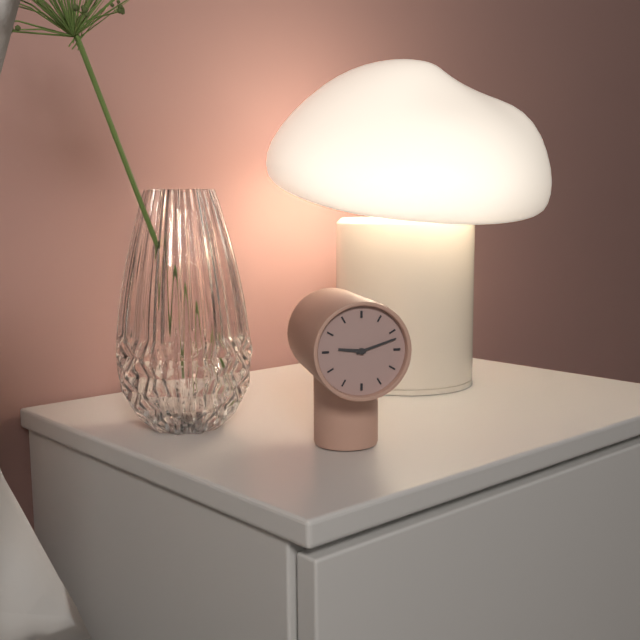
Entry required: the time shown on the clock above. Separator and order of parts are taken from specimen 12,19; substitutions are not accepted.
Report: 9,12
